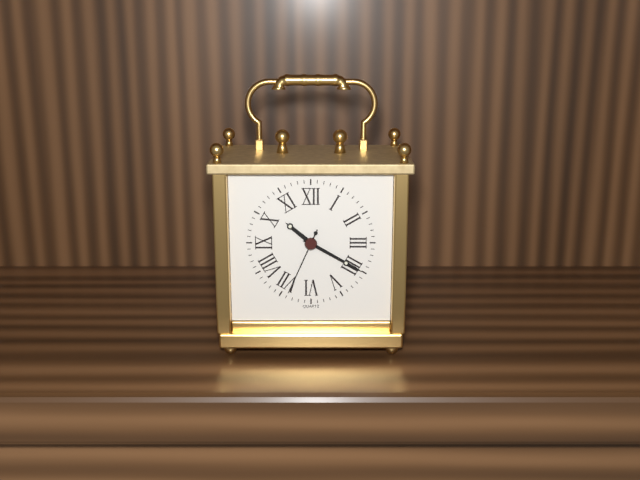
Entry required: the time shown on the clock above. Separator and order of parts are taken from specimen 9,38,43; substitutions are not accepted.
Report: 10,20,34
